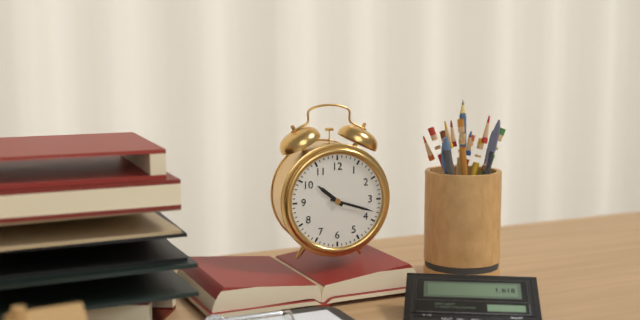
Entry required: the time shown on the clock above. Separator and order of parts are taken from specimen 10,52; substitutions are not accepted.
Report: 10,18
